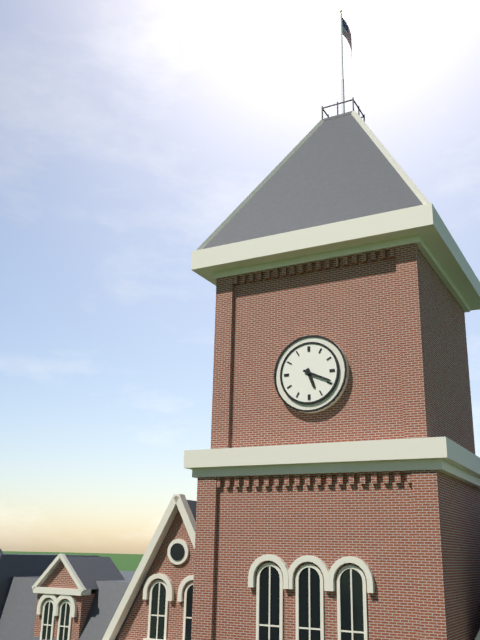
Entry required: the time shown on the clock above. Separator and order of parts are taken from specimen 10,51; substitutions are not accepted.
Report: 5,19
